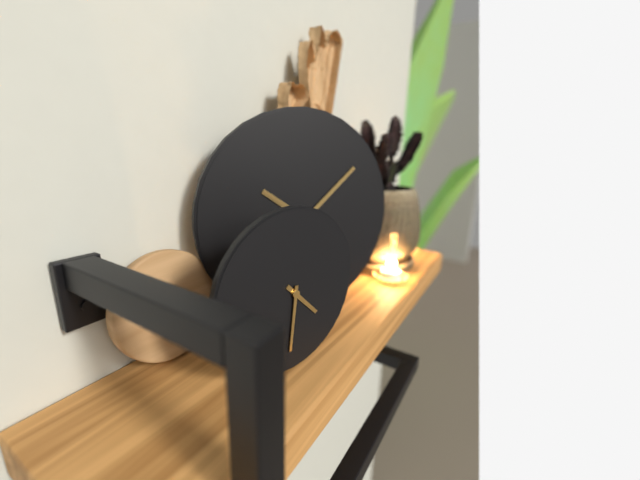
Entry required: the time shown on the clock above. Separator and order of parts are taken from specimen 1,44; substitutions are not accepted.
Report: 4,31
